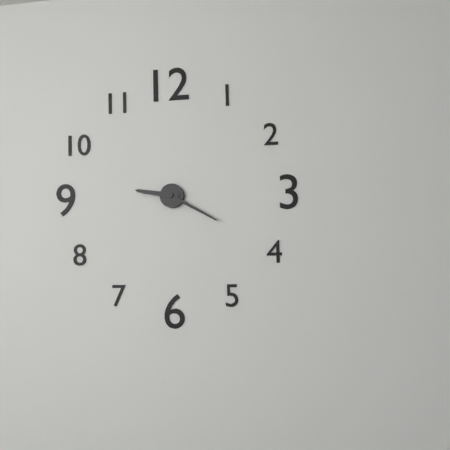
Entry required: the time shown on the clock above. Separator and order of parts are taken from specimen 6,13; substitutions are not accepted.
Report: 9,20
